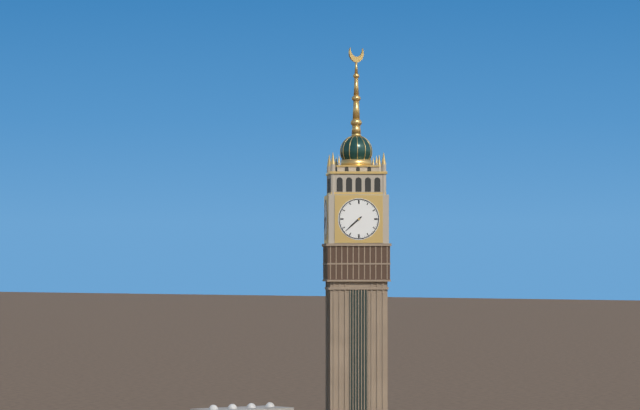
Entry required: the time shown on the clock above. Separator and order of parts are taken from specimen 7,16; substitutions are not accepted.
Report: 7,38
